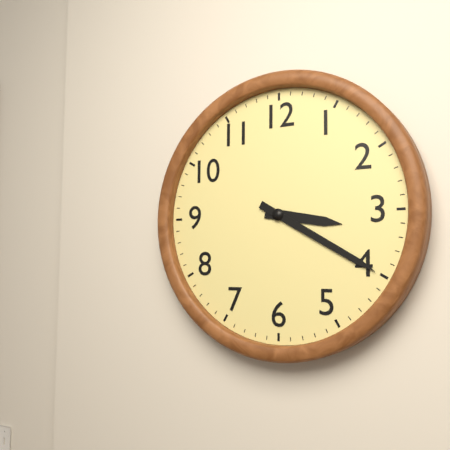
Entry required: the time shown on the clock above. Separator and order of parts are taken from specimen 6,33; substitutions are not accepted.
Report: 3,20
